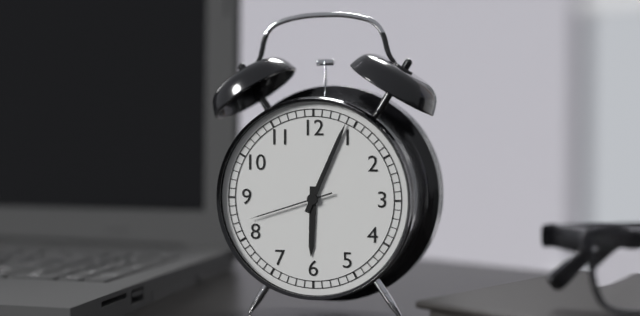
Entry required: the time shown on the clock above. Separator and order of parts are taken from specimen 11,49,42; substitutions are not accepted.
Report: 6,04,42
